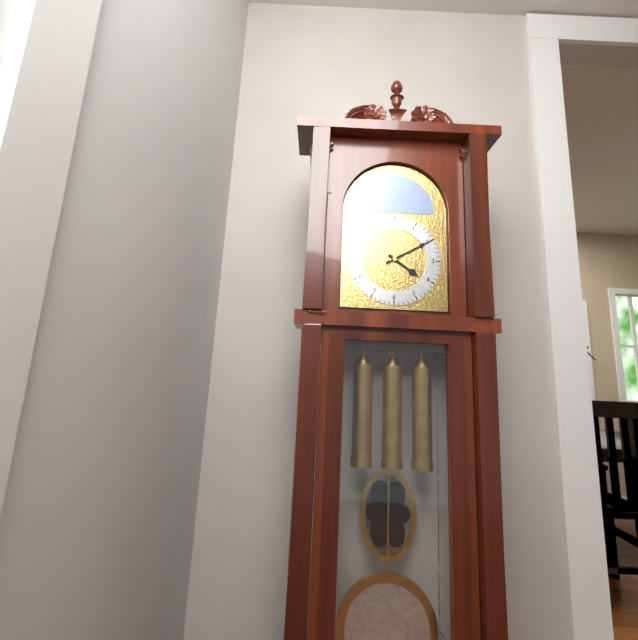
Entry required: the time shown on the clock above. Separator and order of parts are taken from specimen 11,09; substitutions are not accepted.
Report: 4,10
